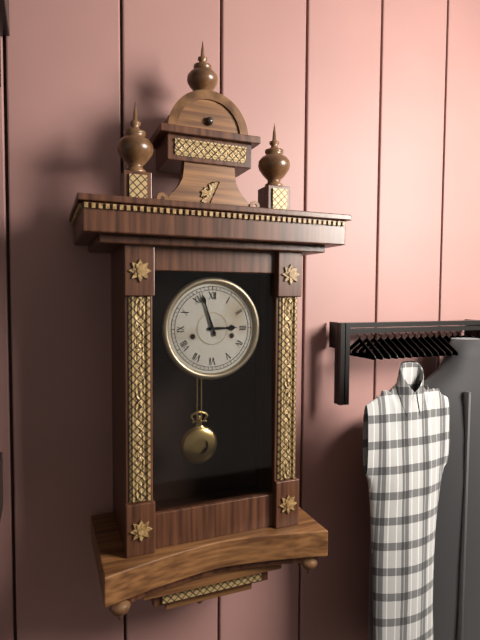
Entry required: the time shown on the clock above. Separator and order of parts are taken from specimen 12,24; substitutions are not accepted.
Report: 2,57
